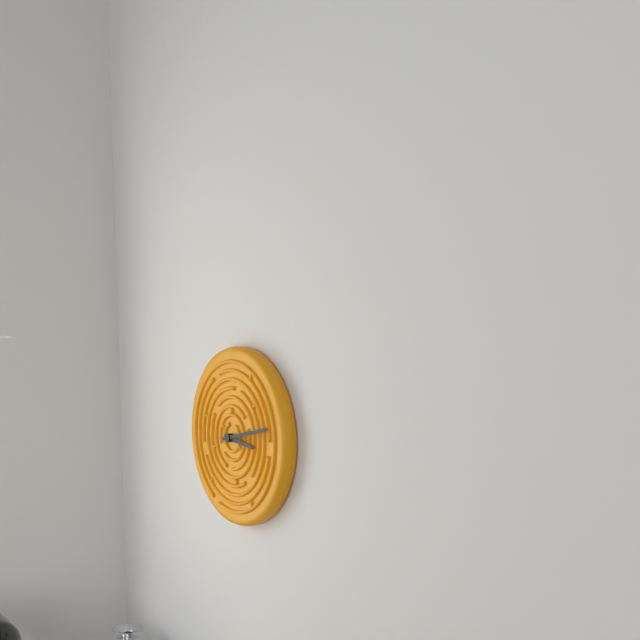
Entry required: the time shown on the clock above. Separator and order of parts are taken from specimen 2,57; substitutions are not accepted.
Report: 3,13
